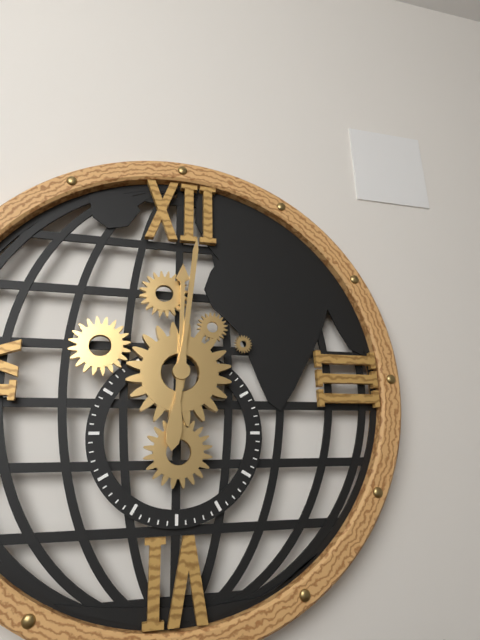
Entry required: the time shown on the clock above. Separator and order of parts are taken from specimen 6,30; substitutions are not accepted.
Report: 12,01
